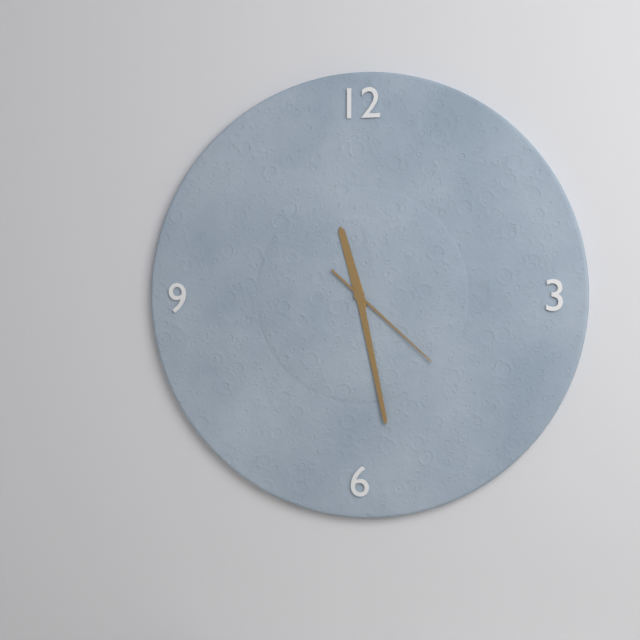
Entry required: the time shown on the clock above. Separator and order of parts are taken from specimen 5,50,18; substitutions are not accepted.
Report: 11,28,22
